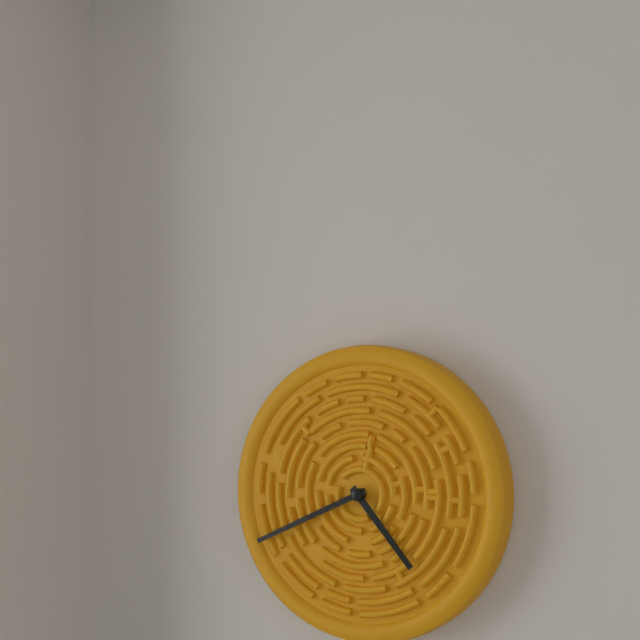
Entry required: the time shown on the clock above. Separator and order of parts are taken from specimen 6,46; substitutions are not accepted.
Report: 4,41
